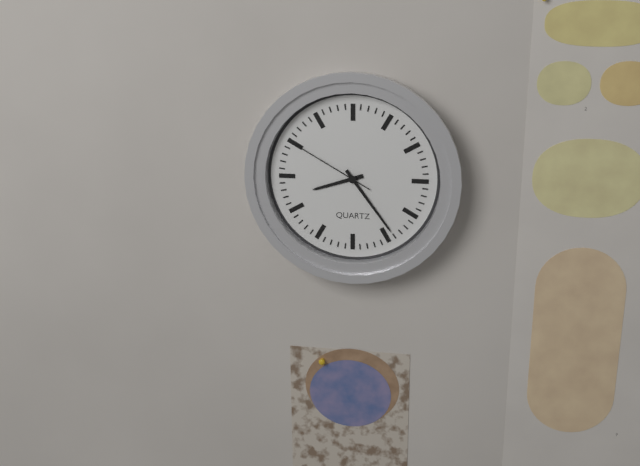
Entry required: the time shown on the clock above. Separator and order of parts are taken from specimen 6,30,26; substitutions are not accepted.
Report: 8,24,50
